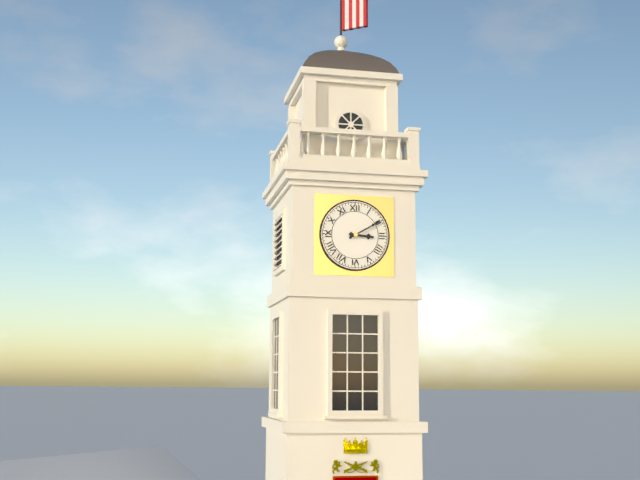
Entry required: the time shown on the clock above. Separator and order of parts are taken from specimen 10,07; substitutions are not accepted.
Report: 3,10
